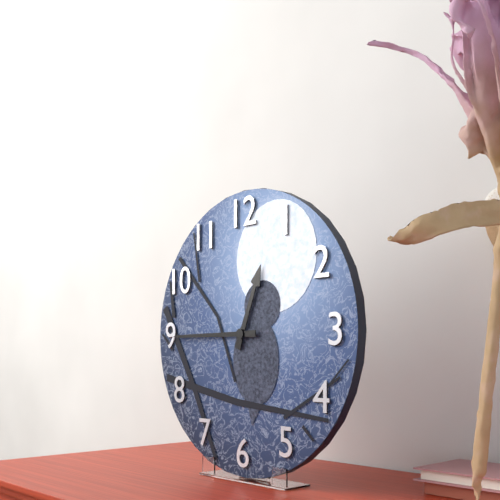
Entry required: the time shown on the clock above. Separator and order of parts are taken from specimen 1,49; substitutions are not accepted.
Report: 12,45
